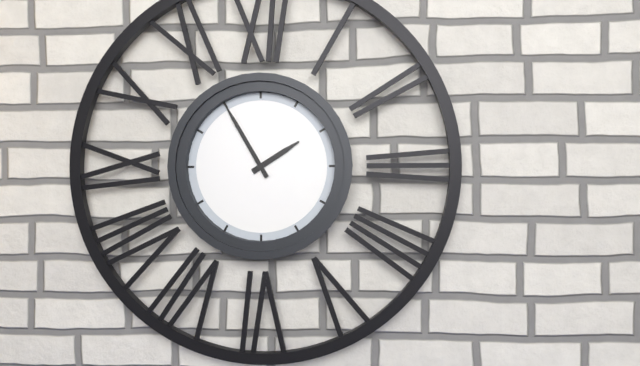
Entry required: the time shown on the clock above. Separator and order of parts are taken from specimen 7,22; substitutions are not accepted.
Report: 1,55
